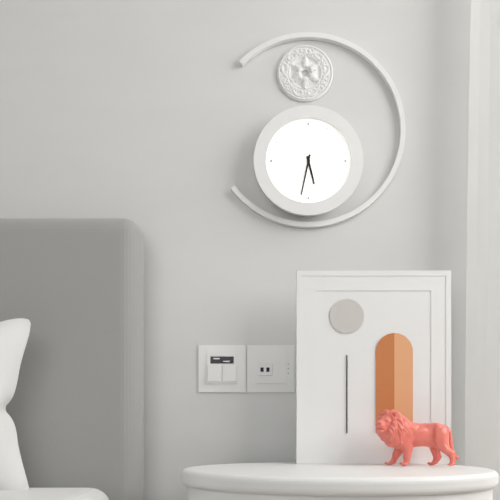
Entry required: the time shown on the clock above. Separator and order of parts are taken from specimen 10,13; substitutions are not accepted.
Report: 5,32
